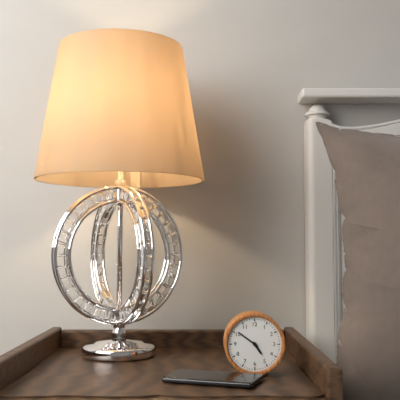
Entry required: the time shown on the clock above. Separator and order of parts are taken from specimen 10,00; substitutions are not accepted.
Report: 4,51
